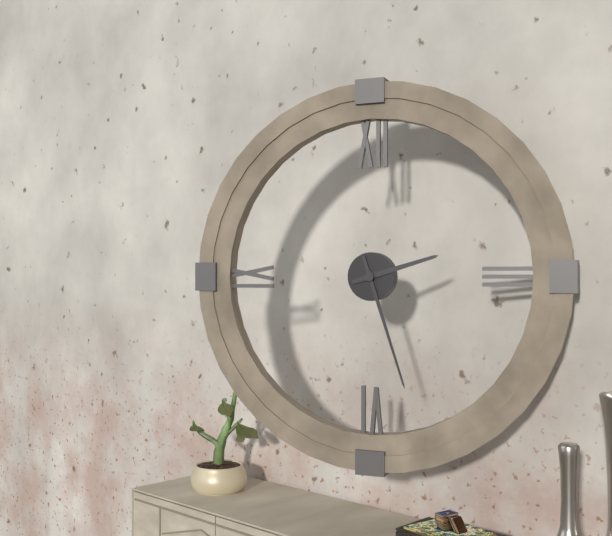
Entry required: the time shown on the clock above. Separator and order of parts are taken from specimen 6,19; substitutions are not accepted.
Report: 2,27
